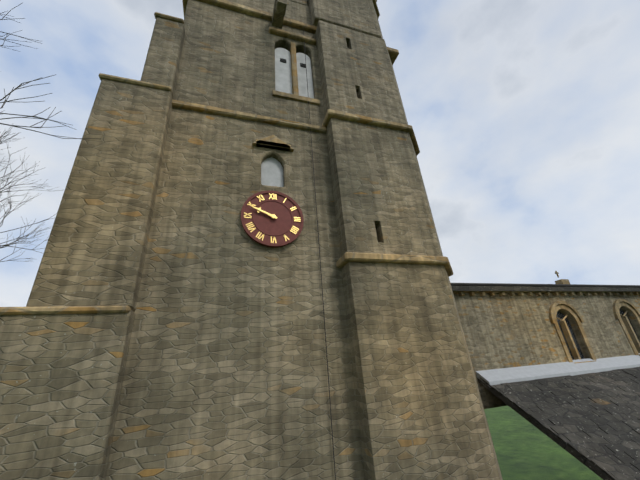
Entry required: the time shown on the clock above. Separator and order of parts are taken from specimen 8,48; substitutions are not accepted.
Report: 9,49
